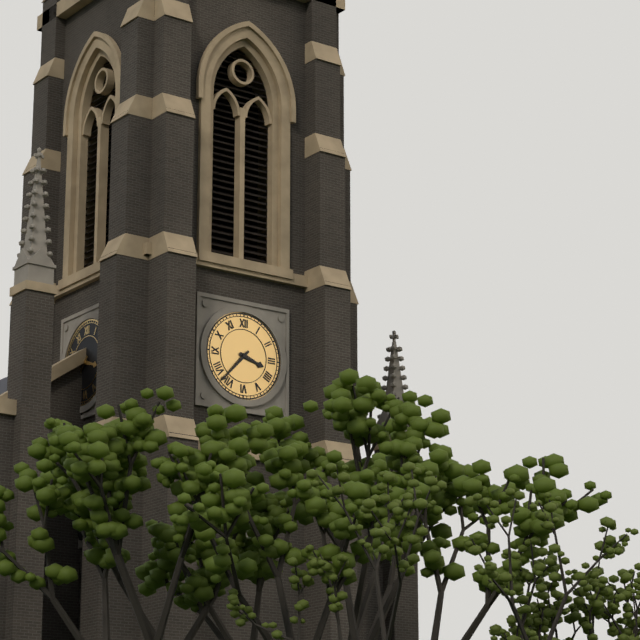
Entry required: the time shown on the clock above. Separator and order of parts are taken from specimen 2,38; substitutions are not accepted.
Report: 3,37
